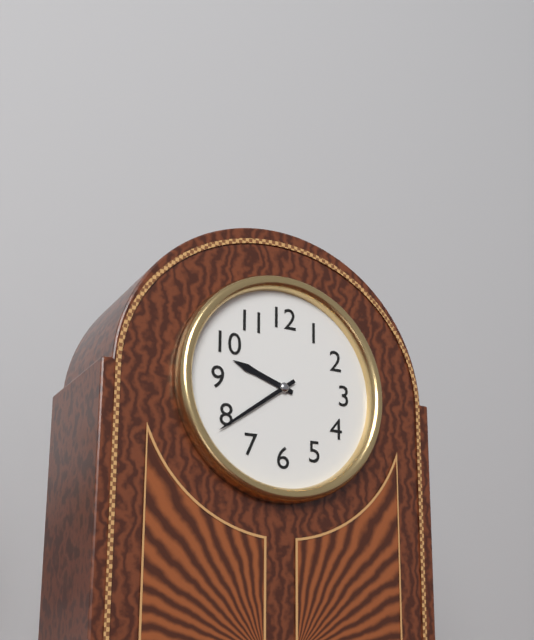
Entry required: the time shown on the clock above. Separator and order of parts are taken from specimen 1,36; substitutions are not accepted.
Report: 9,39
